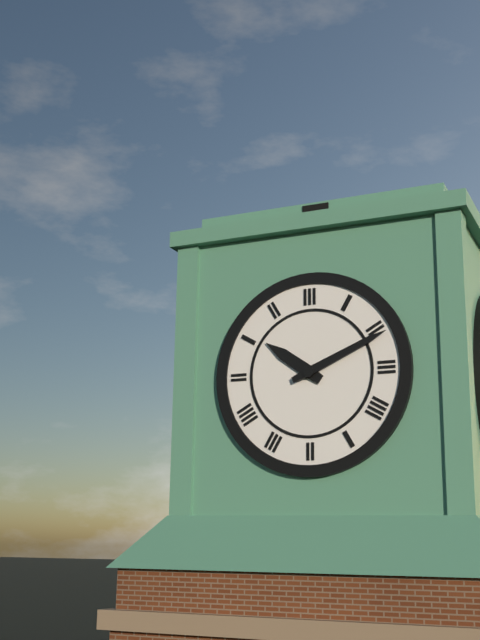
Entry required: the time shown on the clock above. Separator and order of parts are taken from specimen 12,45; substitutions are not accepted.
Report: 10,11
